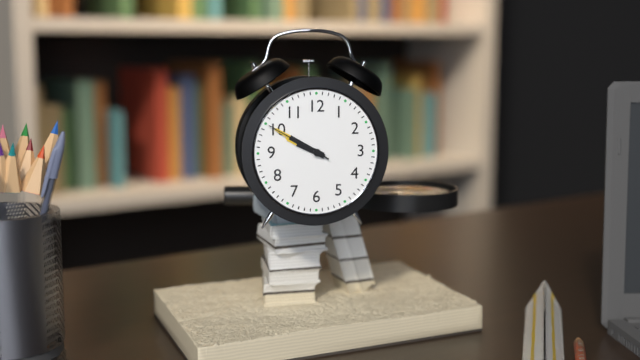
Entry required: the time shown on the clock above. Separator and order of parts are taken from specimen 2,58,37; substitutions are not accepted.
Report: 9,50,50
